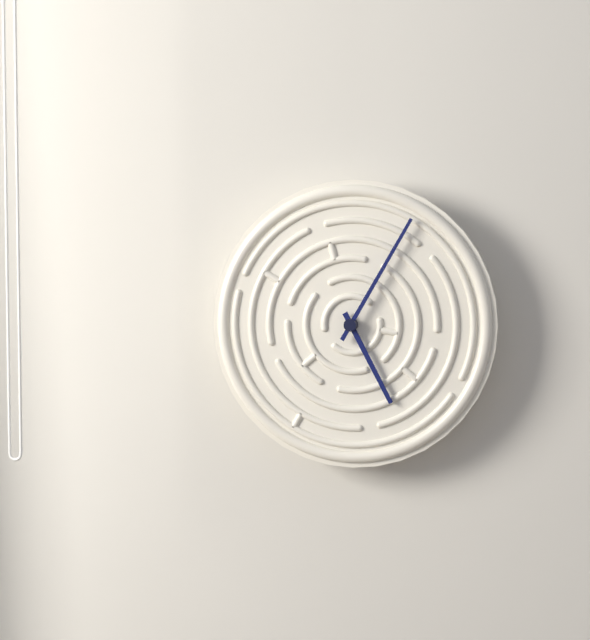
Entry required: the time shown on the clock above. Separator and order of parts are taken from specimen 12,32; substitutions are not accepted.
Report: 5,05
